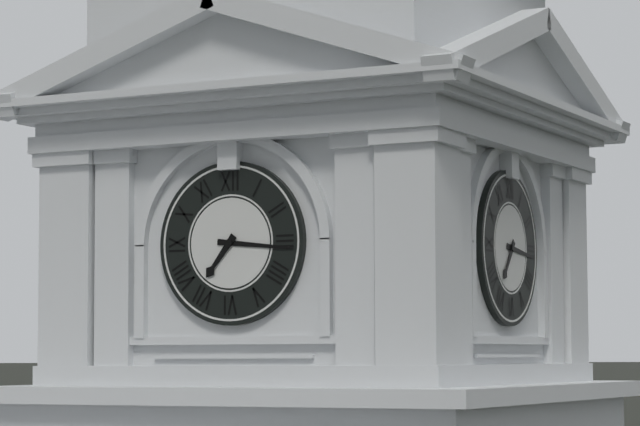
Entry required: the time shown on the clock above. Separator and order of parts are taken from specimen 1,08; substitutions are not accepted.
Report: 7,16
